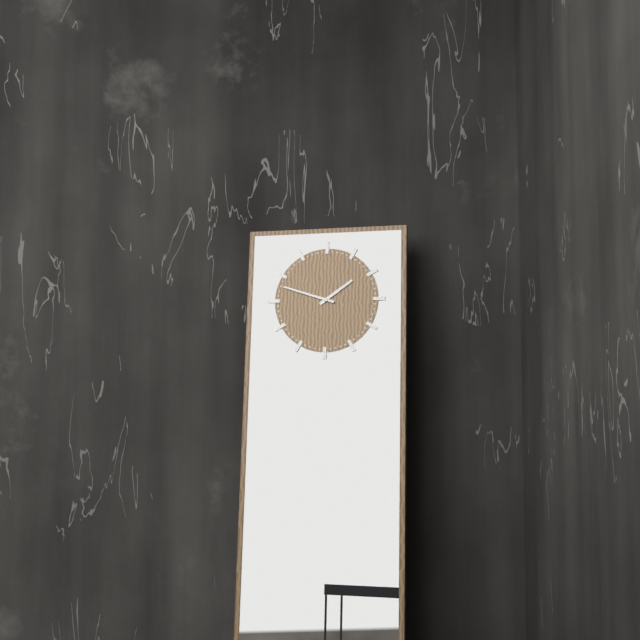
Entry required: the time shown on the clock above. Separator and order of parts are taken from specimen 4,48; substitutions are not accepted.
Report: 1,48
